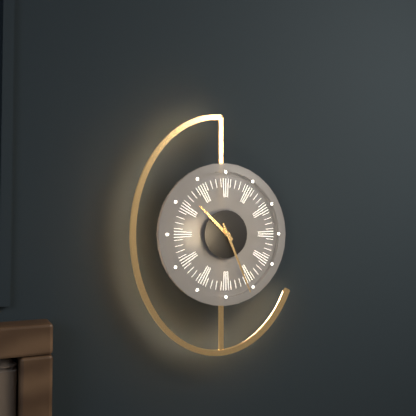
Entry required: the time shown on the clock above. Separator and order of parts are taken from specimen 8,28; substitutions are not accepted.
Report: 10,26
